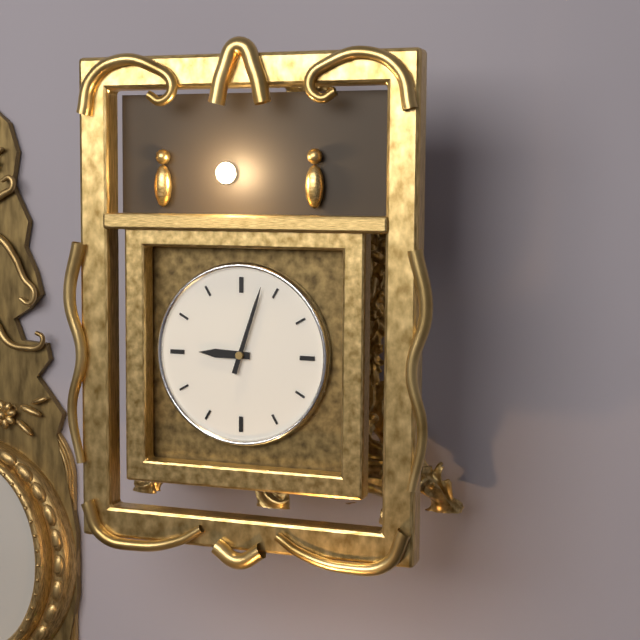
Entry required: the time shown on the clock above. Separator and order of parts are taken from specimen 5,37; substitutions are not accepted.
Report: 9,03
